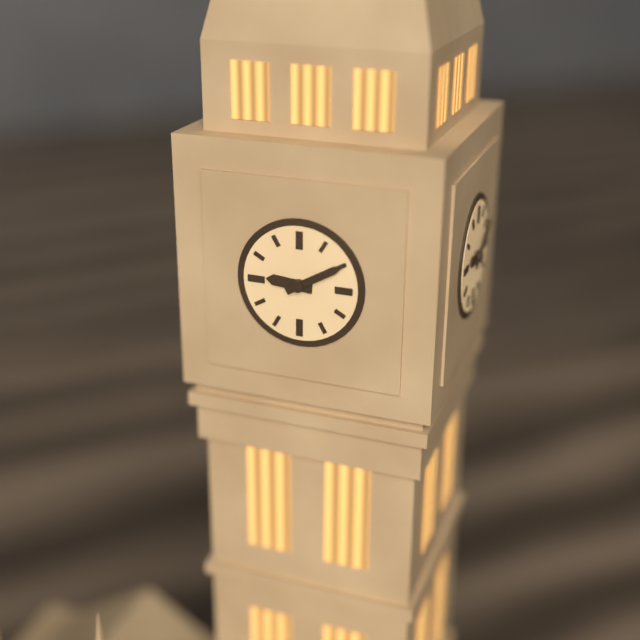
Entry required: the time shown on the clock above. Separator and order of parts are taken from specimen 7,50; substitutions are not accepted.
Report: 9,10
